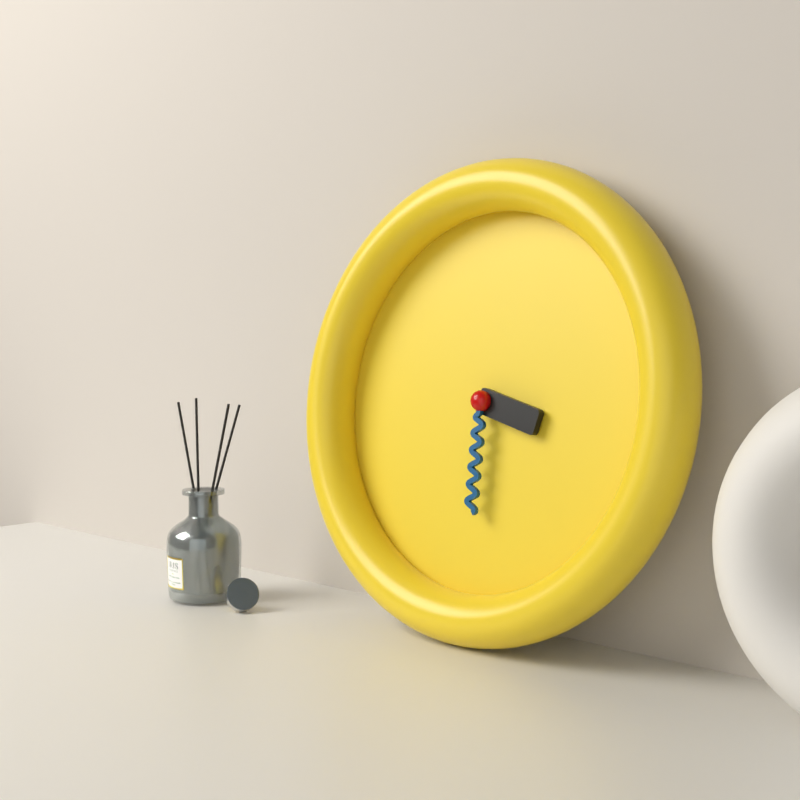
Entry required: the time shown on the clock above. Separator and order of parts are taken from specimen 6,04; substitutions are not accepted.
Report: 3,30
